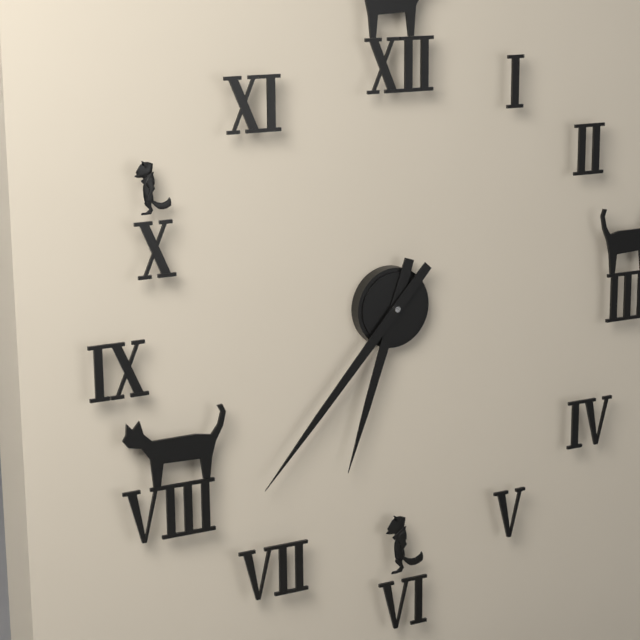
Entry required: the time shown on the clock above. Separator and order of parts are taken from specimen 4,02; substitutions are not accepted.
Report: 6,37
